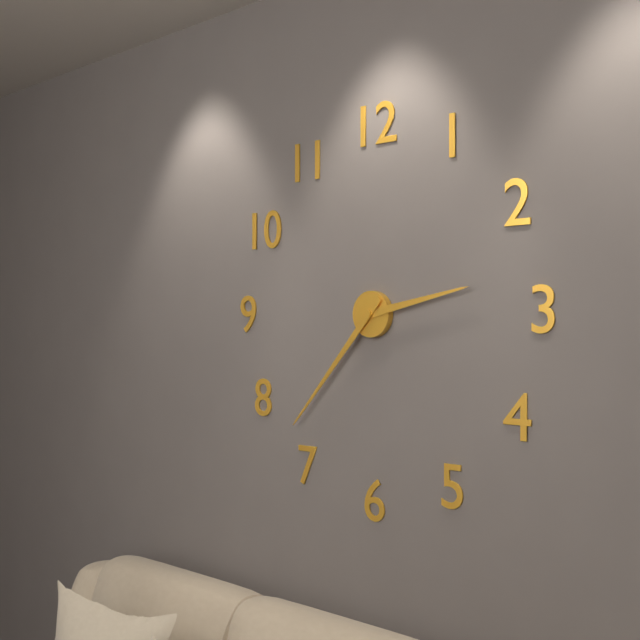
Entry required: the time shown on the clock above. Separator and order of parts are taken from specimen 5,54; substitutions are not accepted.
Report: 2,37
